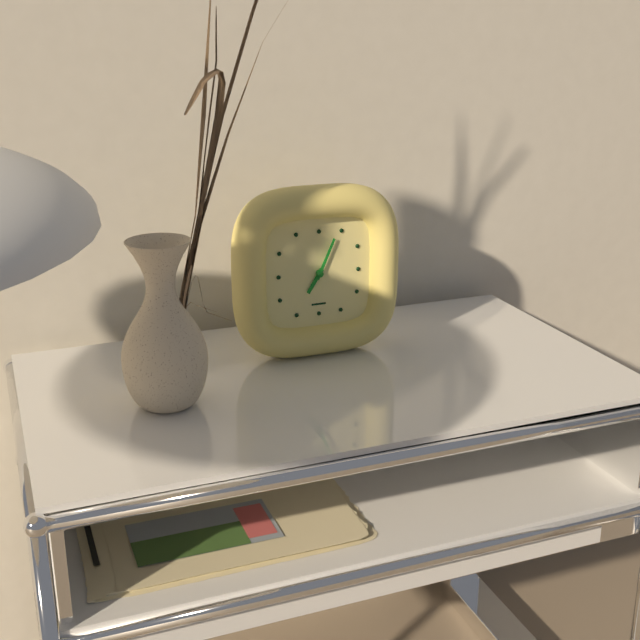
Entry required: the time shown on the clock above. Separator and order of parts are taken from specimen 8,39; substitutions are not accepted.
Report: 7,04
